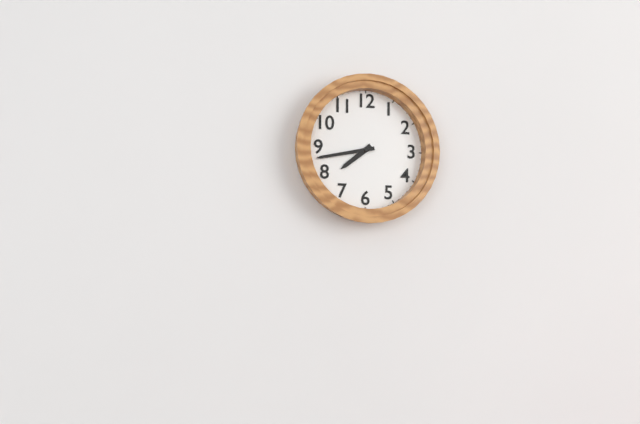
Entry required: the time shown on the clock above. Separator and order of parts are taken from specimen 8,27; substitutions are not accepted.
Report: 7,43
